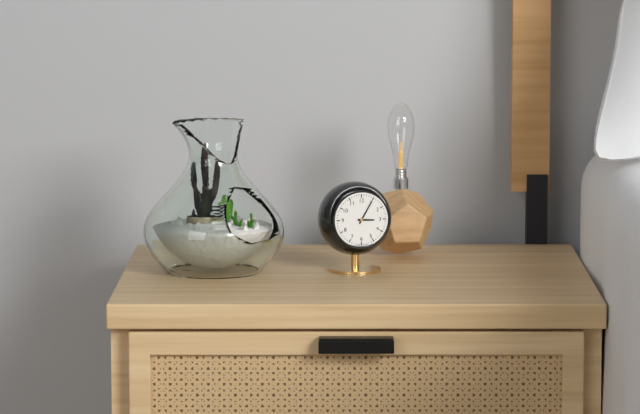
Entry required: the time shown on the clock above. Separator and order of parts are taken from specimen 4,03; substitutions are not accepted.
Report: 3,05
